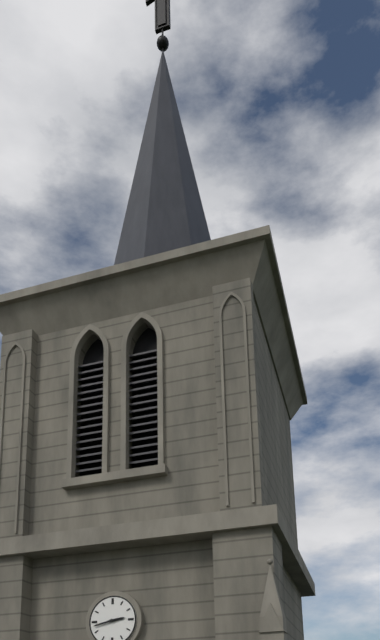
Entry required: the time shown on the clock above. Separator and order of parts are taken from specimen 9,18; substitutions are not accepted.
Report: 2,43
